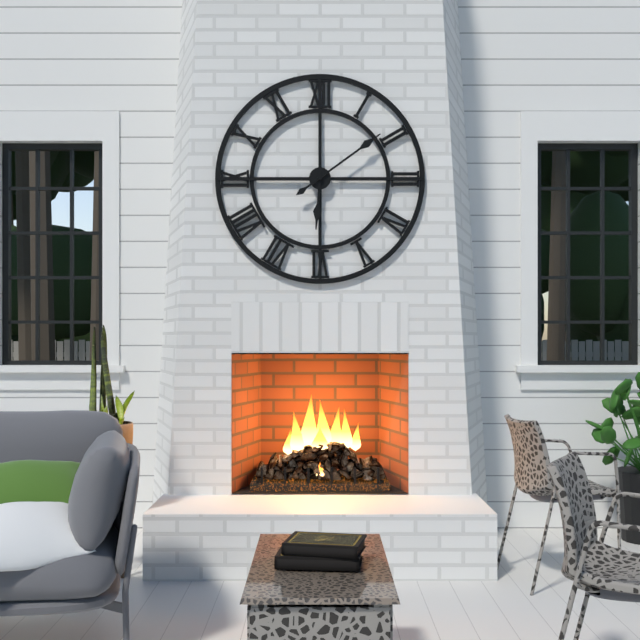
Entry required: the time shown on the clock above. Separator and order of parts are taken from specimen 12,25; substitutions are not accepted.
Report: 6,09
